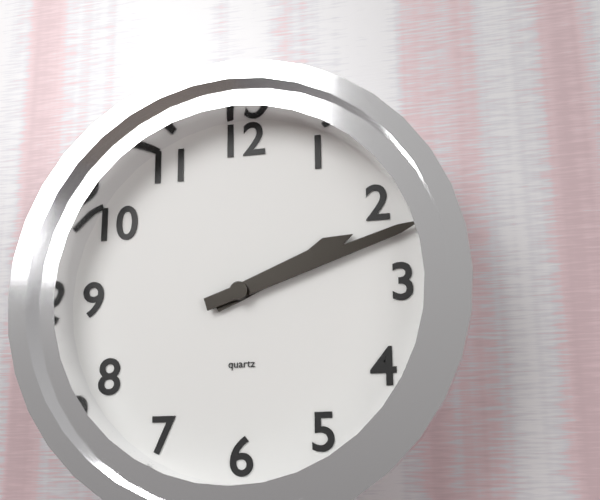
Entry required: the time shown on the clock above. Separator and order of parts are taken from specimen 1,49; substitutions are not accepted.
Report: 2,12
